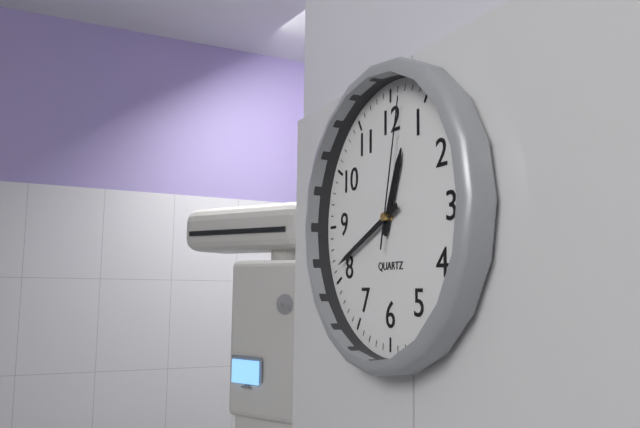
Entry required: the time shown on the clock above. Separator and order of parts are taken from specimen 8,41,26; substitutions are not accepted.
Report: 12,41,02
